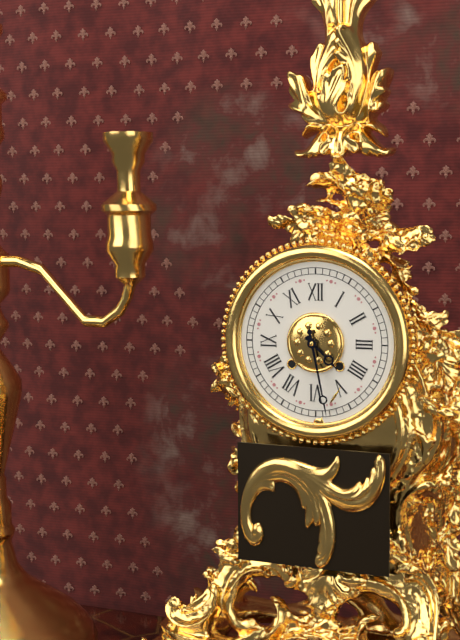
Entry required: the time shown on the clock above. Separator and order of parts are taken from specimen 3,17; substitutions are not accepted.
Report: 4,28
